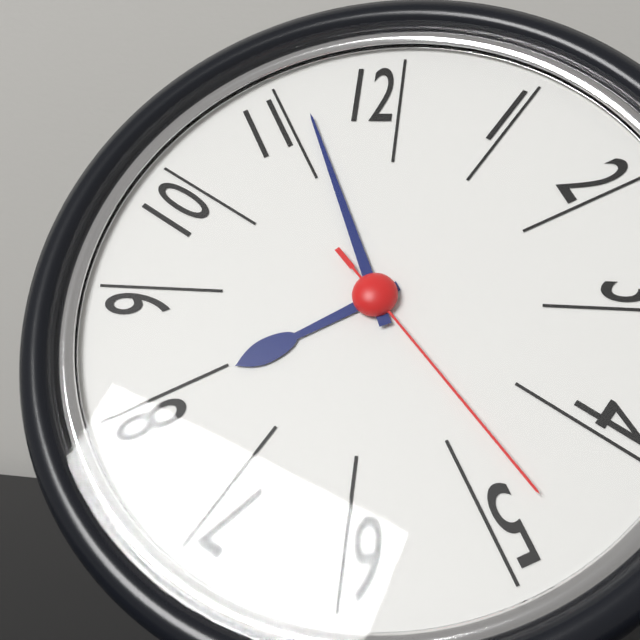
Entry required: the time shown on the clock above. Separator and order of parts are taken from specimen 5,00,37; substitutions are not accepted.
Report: 7,56,23
